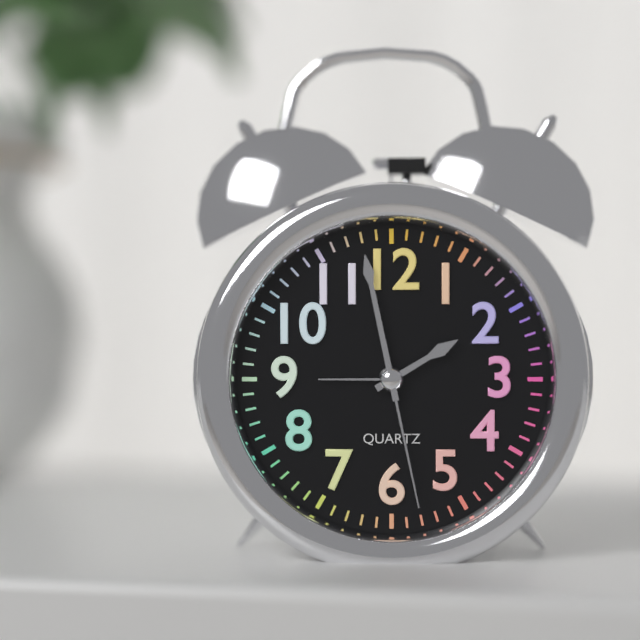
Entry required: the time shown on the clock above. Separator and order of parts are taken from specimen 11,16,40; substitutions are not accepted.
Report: 1,58,28
